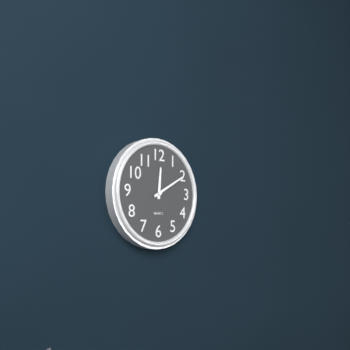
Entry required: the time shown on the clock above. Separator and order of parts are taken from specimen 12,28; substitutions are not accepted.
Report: 12,10
